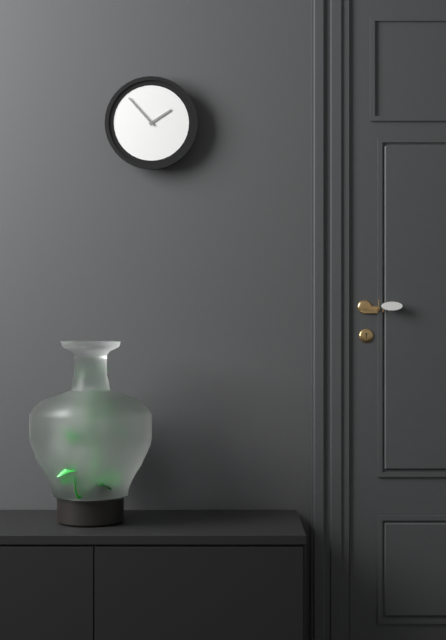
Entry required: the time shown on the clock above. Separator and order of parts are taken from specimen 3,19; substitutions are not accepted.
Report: 1,53
